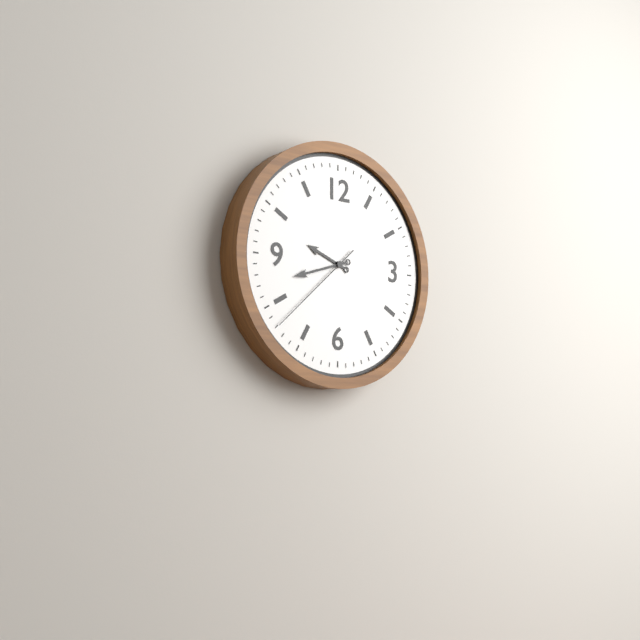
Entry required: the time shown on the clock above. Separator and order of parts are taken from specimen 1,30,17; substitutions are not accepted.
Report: 9,42,38
